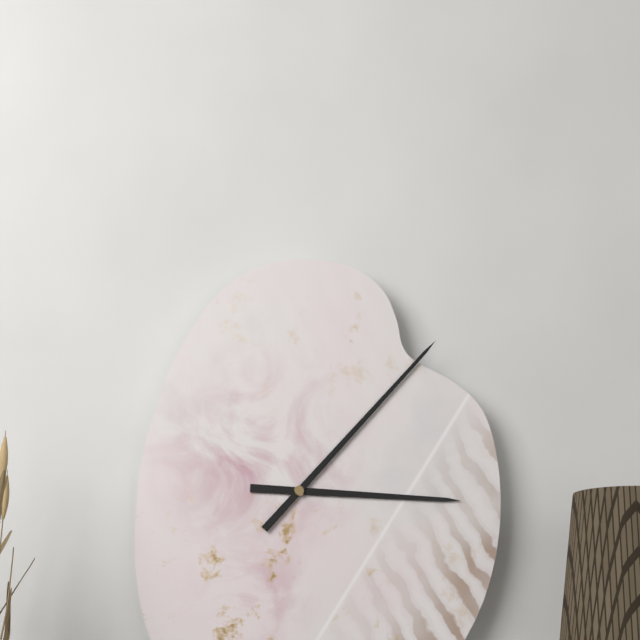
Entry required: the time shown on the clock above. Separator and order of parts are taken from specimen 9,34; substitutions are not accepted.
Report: 3,07
